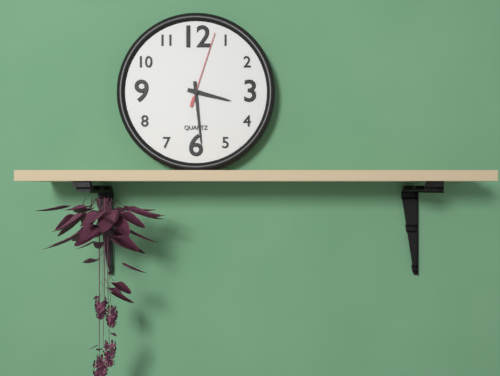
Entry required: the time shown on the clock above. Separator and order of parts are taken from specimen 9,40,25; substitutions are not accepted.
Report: 3,29,03
